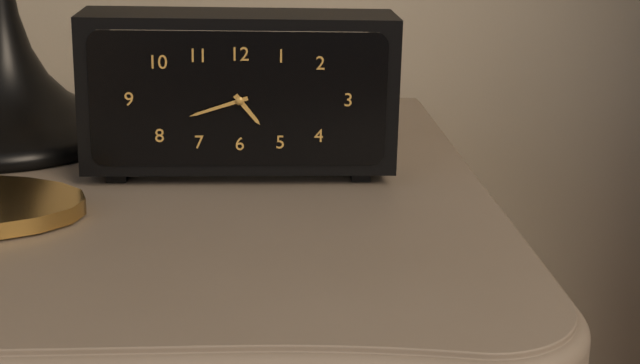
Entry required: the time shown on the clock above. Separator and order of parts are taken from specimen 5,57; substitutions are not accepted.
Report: 4,42
